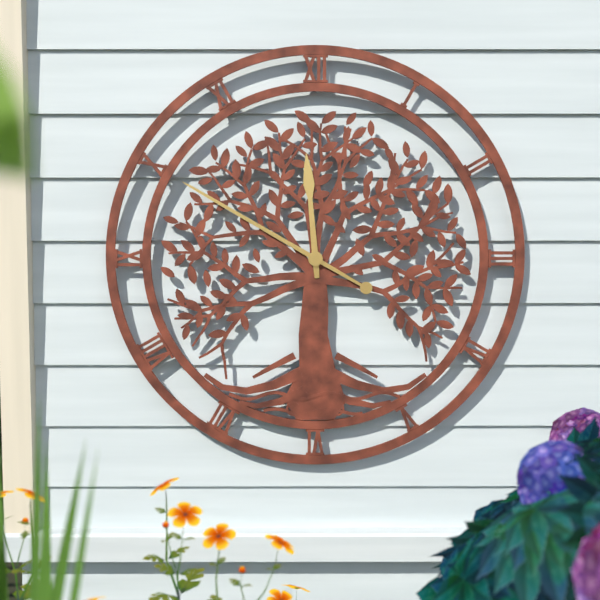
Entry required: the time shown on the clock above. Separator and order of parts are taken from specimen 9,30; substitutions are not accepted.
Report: 11,50
